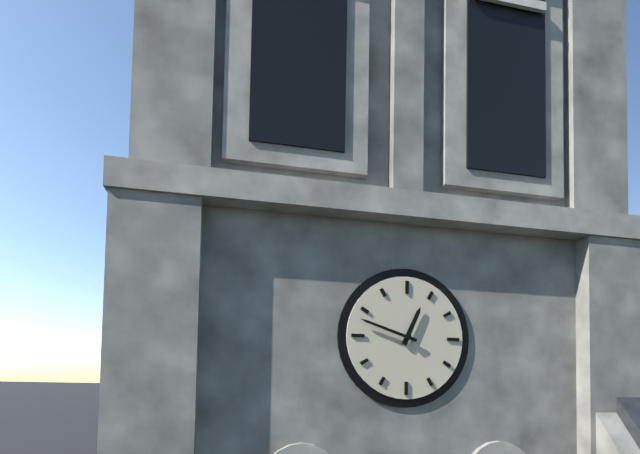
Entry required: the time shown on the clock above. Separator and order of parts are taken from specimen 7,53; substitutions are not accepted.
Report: 12,48
